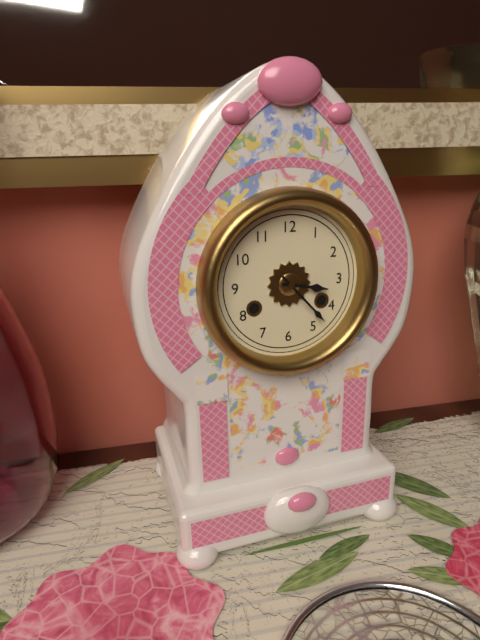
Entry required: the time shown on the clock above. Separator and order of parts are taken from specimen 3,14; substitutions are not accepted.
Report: 3,23
